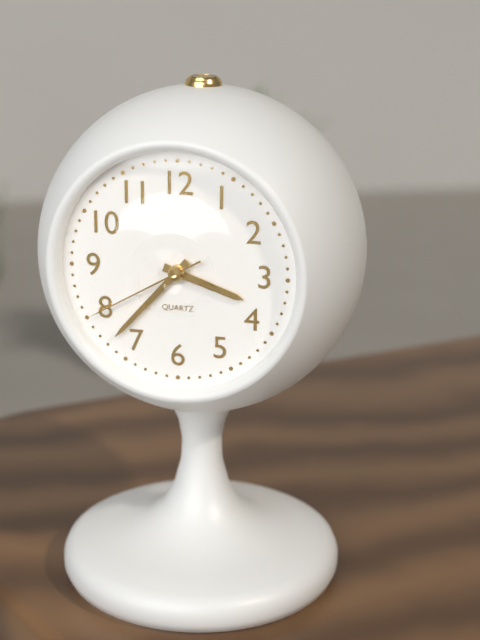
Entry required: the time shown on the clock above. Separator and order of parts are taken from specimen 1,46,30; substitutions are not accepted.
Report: 3,37,40
